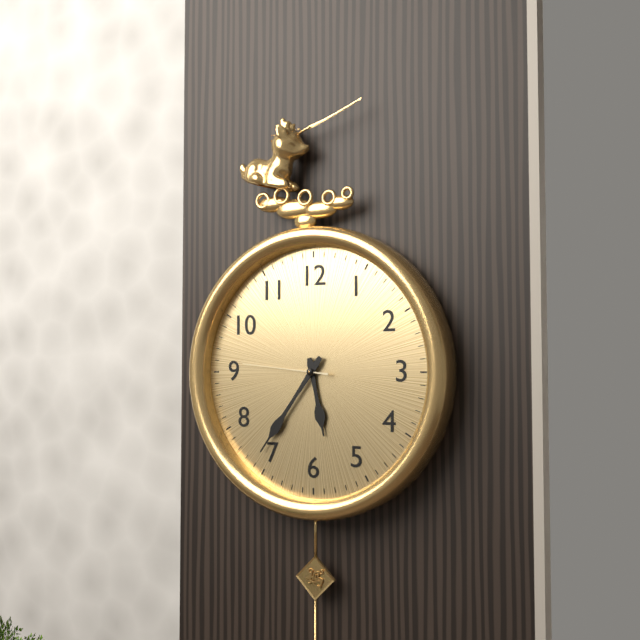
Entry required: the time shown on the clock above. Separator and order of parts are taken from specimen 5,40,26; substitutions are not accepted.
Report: 5,36,46
